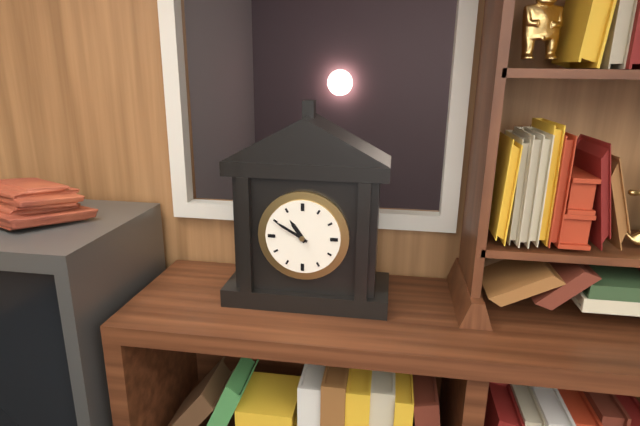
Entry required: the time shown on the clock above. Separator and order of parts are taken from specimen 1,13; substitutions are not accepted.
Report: 10,50
